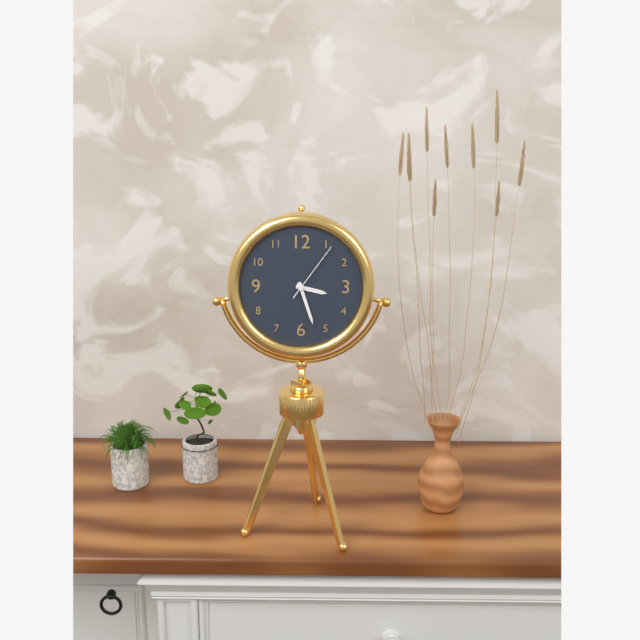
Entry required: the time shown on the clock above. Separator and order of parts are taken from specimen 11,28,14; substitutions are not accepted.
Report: 3,27,06
